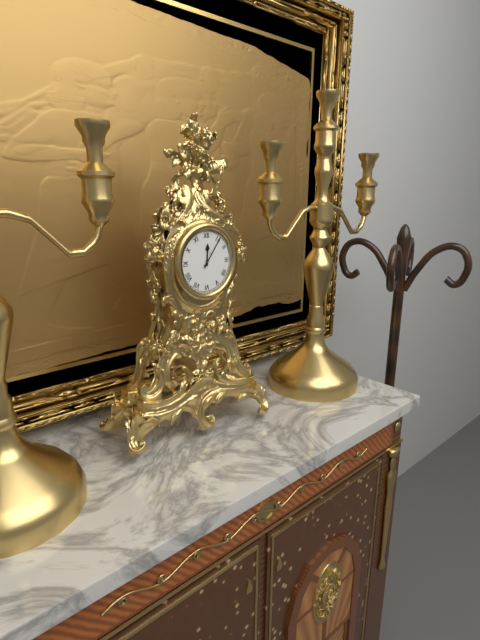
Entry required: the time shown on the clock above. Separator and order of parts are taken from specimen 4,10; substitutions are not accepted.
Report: 12,06
